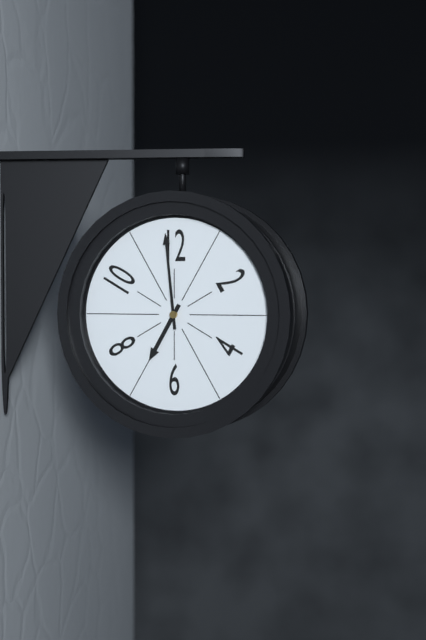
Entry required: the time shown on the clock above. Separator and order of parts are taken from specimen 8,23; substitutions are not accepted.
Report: 6,59
